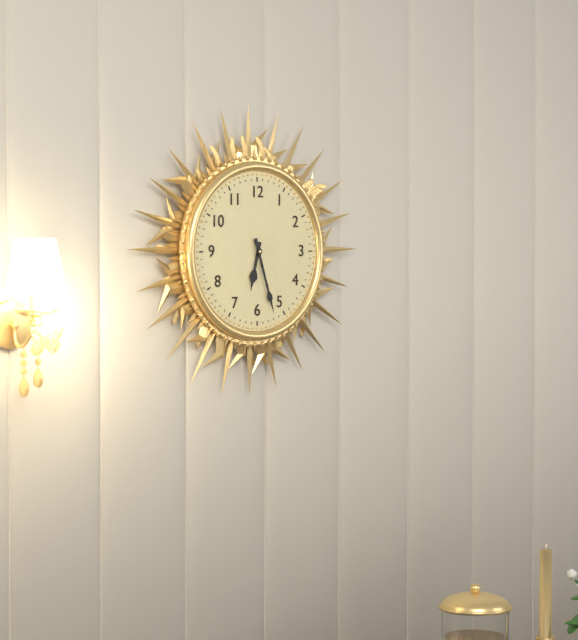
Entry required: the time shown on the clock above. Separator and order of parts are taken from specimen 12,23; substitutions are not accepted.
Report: 6,27
